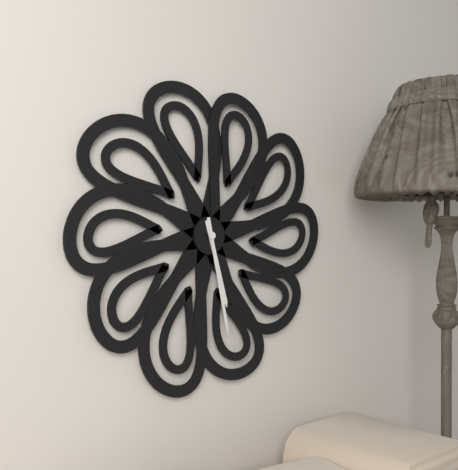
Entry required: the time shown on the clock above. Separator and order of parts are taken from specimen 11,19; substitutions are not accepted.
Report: 5,28
